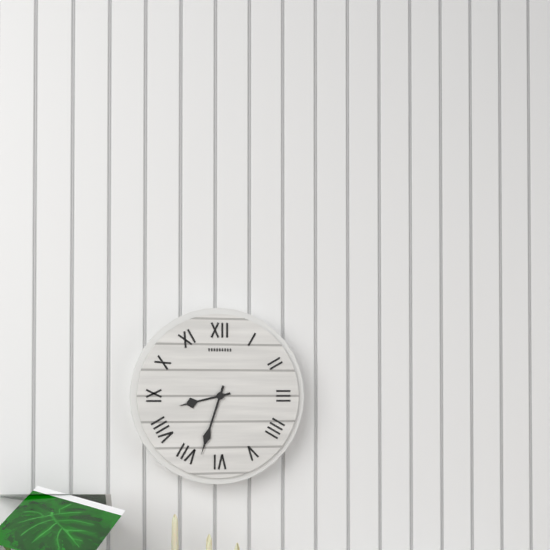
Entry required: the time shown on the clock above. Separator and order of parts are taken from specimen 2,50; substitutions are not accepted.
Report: 8,33
